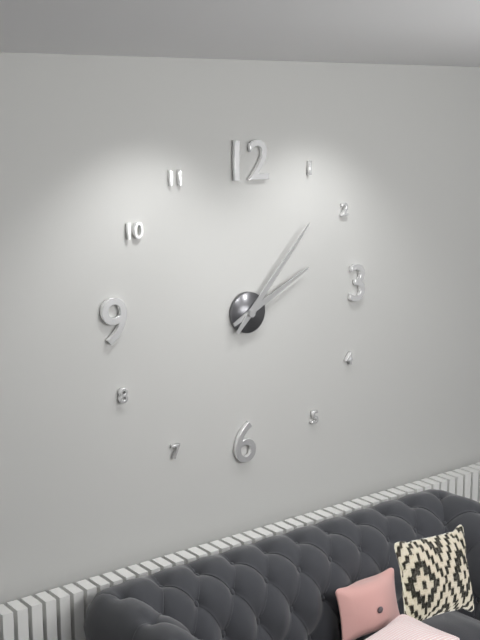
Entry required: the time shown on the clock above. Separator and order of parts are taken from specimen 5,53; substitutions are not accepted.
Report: 2,07
